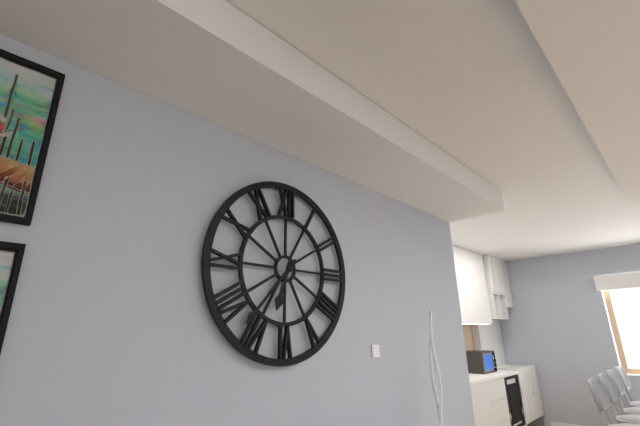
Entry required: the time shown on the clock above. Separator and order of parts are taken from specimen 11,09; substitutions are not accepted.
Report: 6,37
